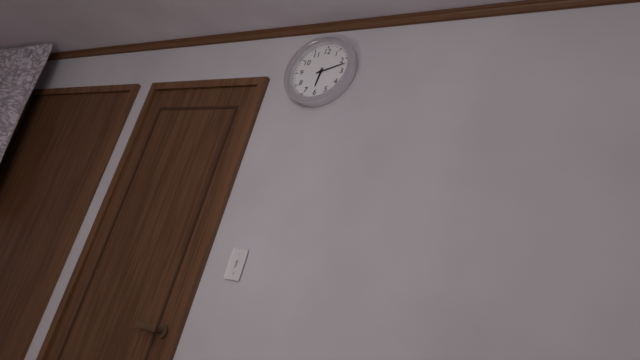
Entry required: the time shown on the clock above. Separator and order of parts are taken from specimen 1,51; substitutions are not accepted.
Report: 6,12
